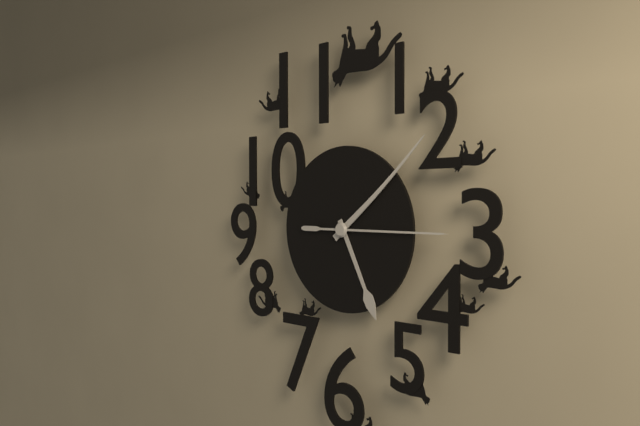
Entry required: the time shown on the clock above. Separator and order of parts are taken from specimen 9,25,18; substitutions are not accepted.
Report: 5,08,15
